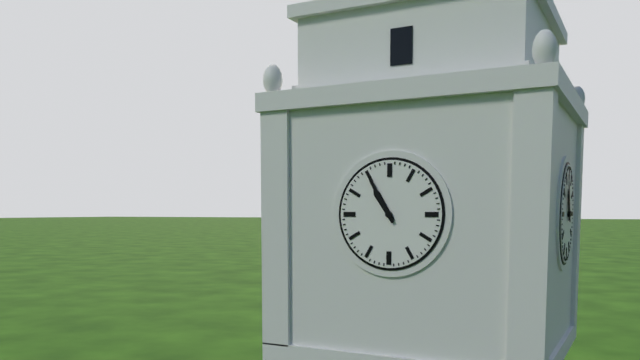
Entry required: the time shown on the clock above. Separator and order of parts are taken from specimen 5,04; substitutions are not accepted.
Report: 10,55
